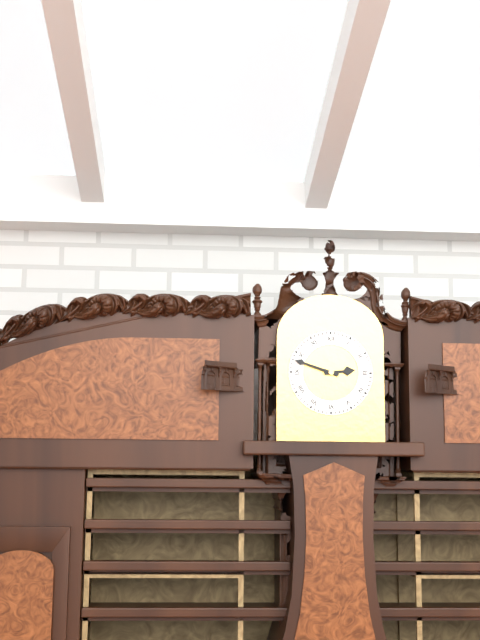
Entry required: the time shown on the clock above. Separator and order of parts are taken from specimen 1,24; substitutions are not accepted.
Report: 2,48
